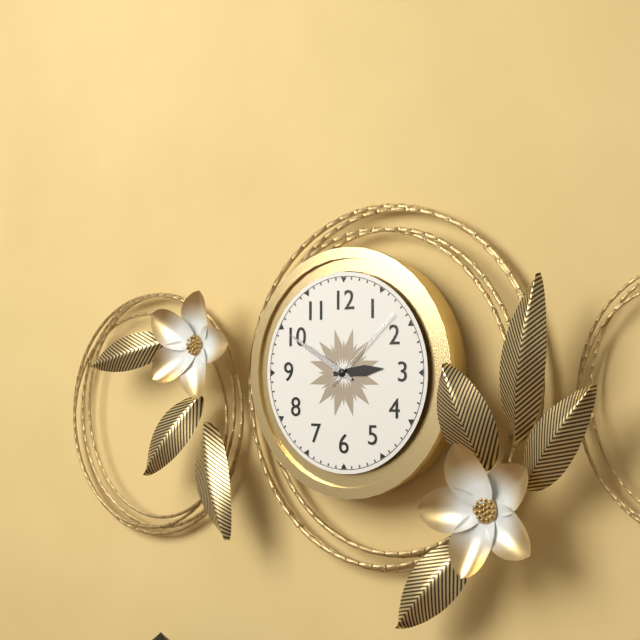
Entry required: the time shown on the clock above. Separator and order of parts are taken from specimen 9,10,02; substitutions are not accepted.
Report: 2,50,08
